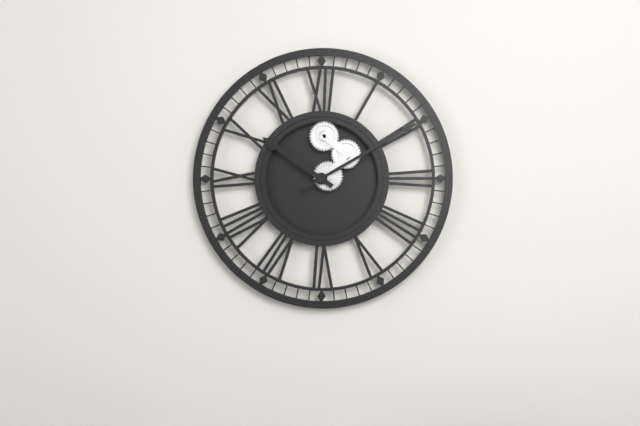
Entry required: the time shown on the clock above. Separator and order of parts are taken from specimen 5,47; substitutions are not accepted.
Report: 10,10
